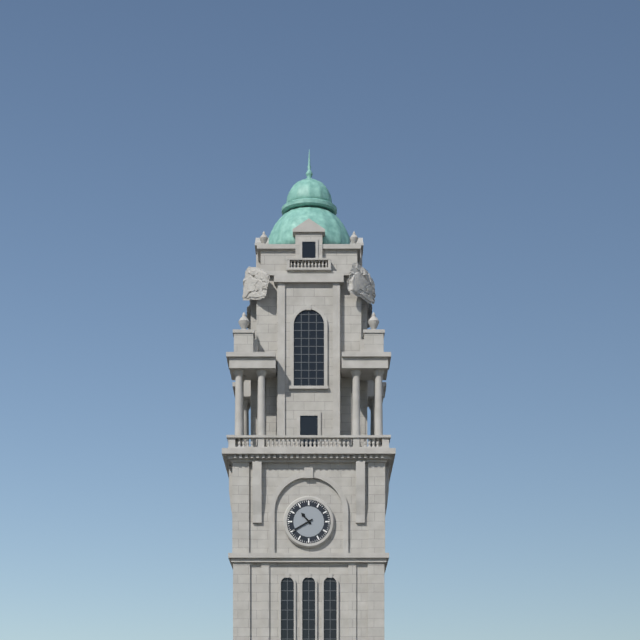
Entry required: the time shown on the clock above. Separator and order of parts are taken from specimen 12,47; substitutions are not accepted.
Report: 10,40
